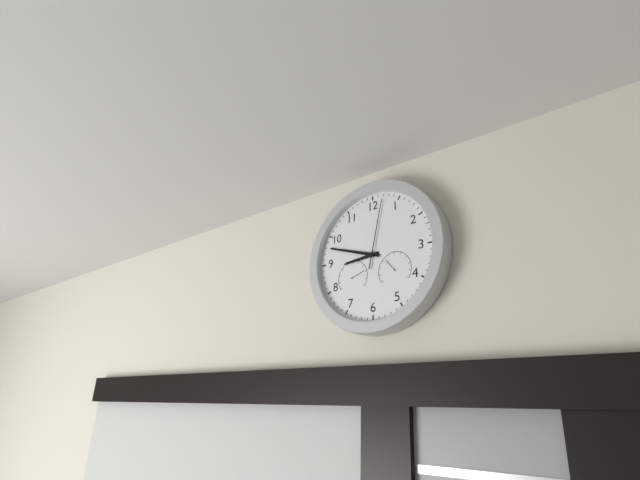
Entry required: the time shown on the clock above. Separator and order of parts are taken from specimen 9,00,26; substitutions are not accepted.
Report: 8,48,02
